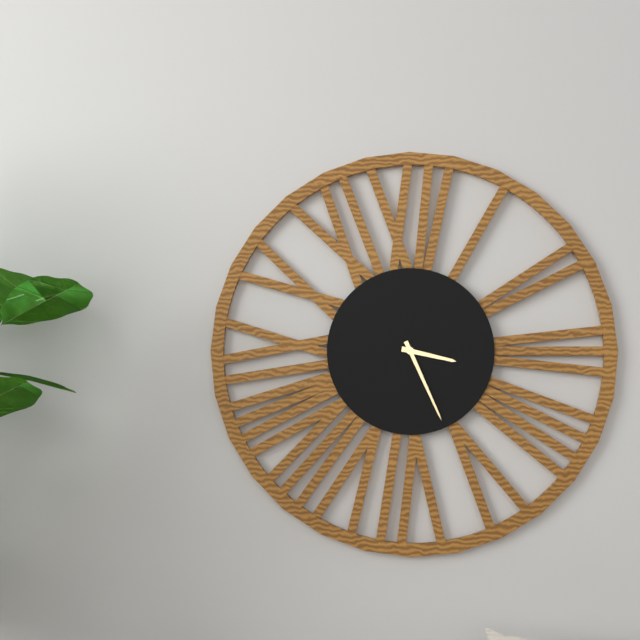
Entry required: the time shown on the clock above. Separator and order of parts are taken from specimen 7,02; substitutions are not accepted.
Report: 3,26
